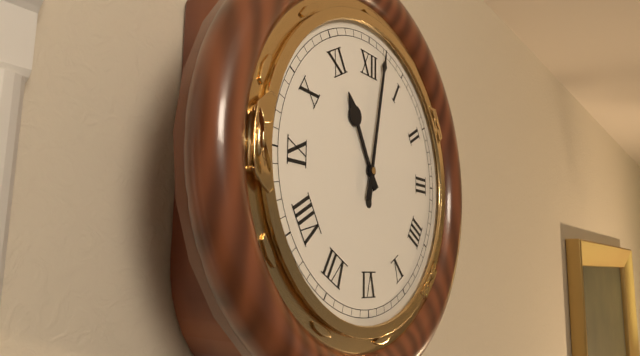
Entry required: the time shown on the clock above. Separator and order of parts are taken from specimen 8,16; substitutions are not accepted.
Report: 11,02
